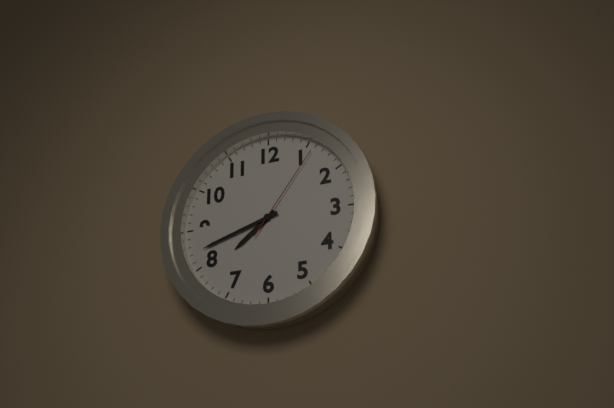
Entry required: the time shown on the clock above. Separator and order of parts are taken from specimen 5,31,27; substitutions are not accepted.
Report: 7,42,06
